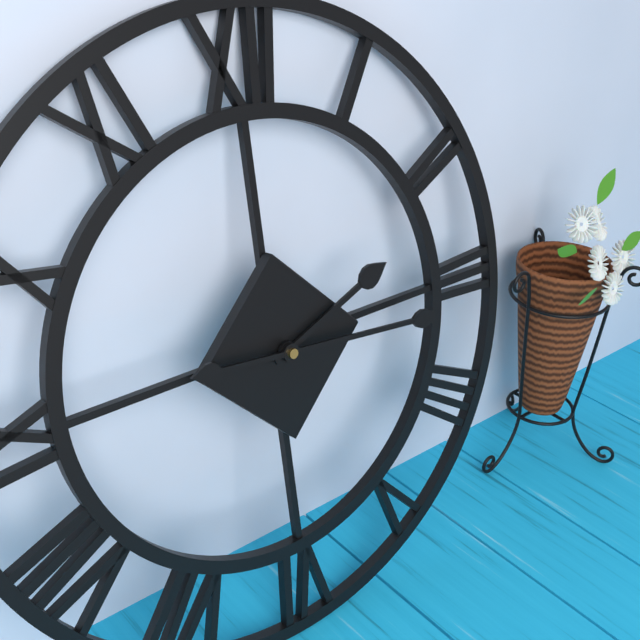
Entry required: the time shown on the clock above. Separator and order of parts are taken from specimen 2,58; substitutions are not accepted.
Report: 2,16
